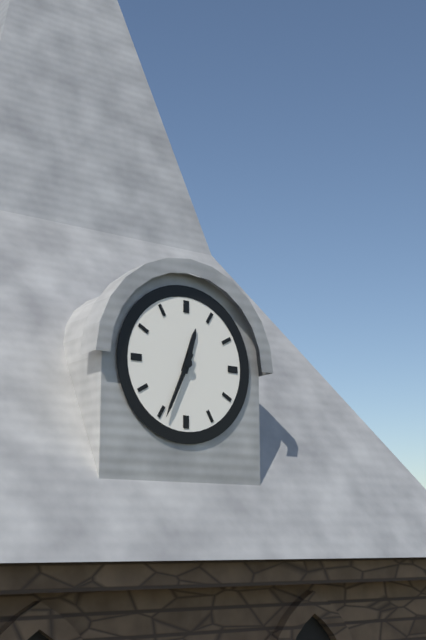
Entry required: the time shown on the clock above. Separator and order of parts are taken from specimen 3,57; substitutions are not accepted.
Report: 12,34
